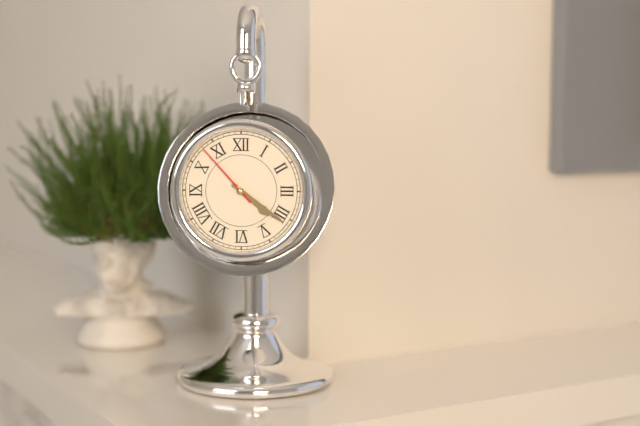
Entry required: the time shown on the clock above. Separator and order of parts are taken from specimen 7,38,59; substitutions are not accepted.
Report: 4,21,53
